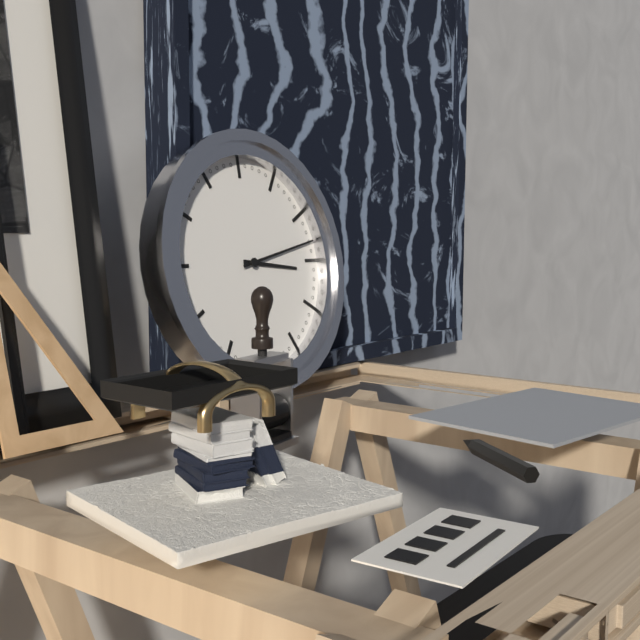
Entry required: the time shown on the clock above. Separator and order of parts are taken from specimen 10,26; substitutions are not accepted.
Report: 3,13
